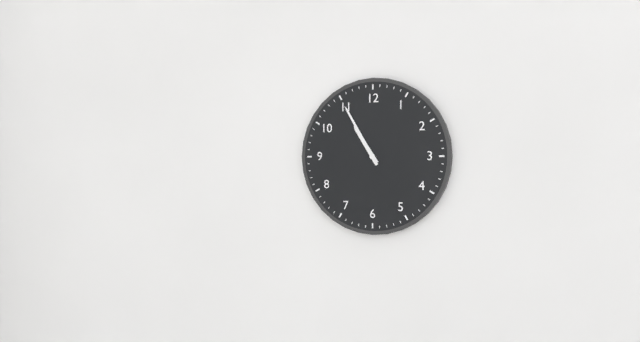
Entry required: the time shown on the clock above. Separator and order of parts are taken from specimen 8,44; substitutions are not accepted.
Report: 10,55
